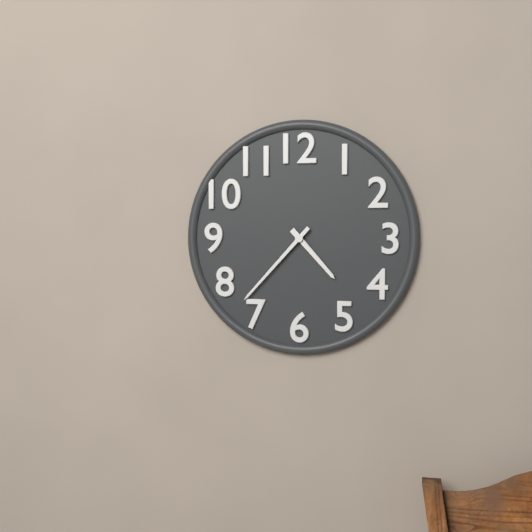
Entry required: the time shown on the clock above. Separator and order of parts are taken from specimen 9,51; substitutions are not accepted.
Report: 4,37
